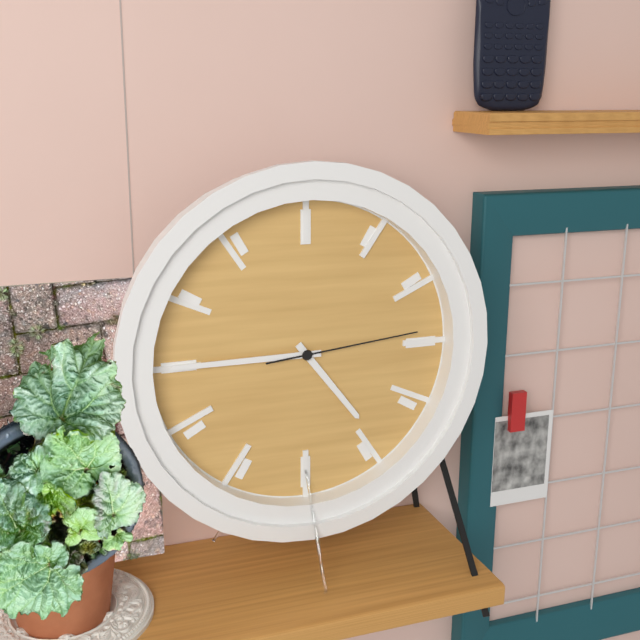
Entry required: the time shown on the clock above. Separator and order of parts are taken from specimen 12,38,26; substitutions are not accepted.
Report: 4,45,14
